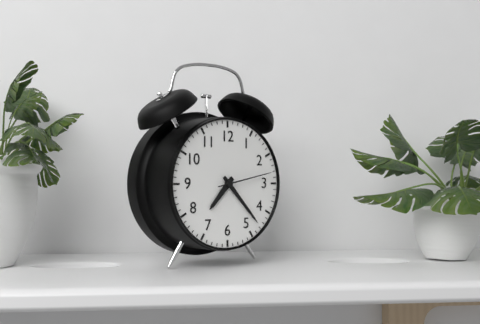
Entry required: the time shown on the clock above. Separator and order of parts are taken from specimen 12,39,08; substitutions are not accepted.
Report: 7,23,13
